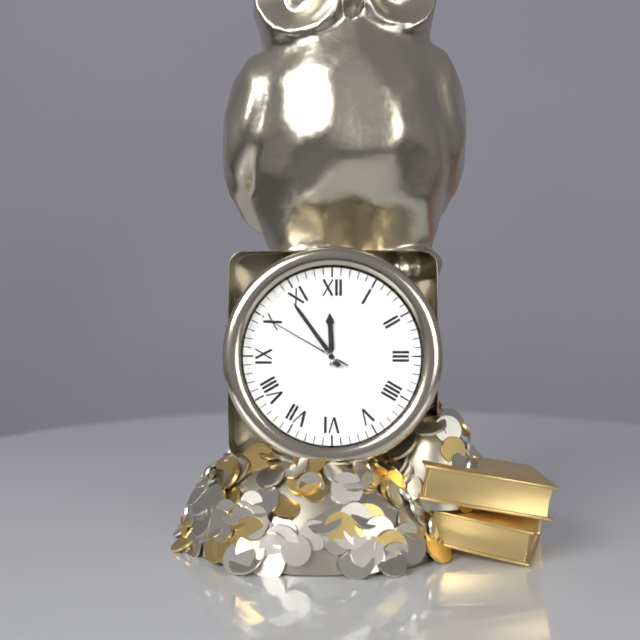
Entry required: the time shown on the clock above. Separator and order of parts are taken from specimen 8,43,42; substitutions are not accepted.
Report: 11,54,50
